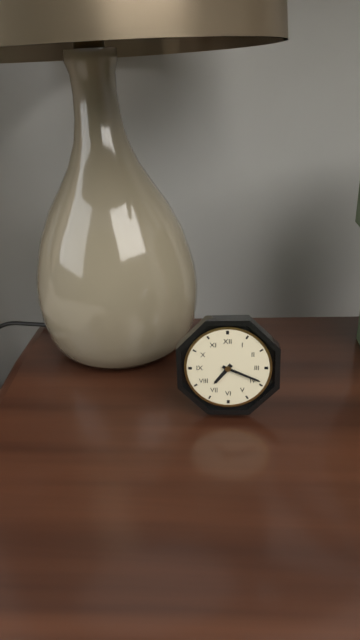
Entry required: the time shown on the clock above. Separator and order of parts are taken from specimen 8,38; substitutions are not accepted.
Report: 7,19
